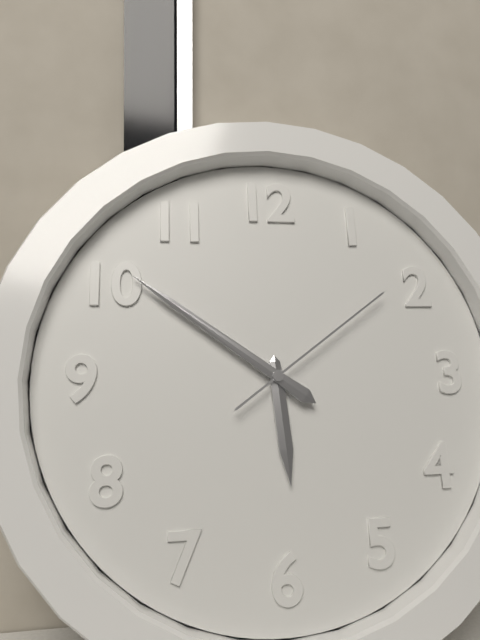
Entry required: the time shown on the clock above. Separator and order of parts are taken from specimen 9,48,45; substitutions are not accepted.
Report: 5,51,09
